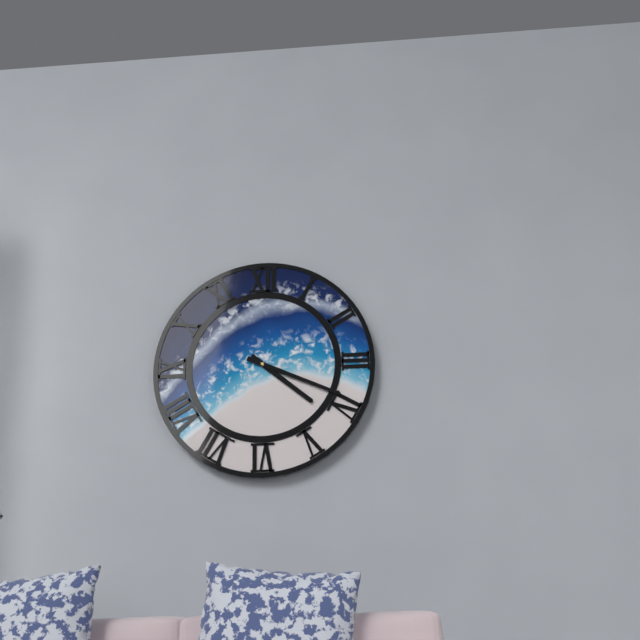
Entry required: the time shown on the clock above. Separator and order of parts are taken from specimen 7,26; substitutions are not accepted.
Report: 4,19
